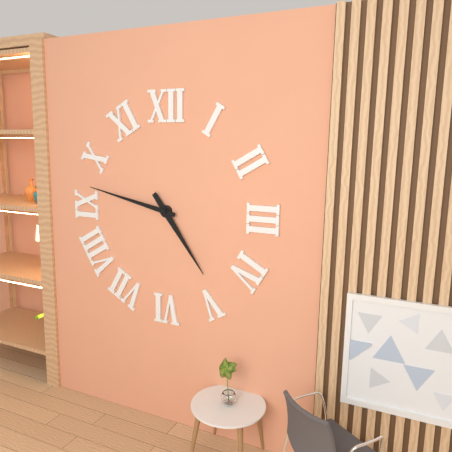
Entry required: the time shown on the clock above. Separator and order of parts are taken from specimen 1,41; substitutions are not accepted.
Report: 4,47
